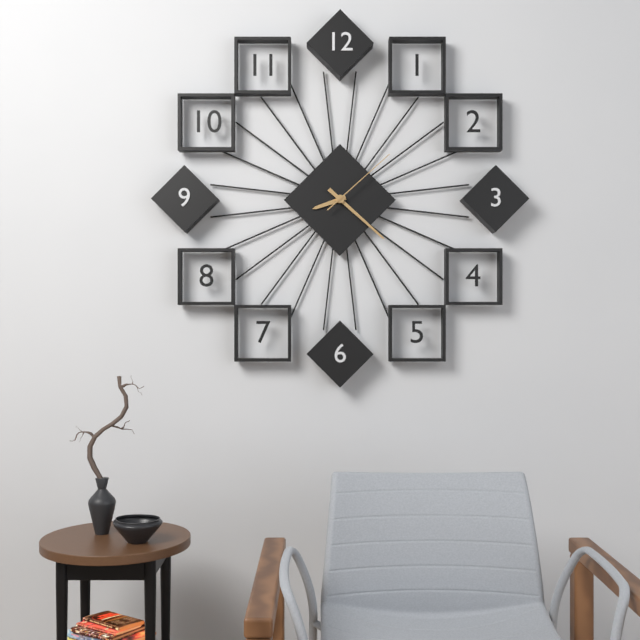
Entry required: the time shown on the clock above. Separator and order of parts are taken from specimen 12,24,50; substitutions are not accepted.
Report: 8,22,08
